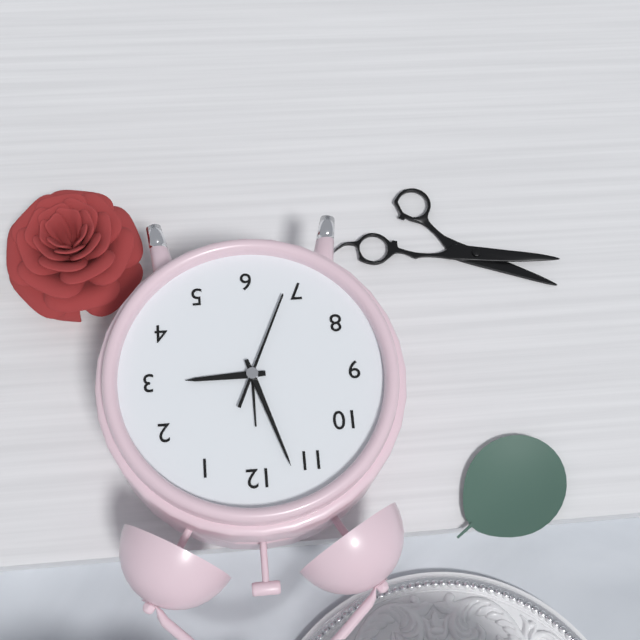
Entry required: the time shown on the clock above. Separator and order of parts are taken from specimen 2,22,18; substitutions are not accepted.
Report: 2,57,34
